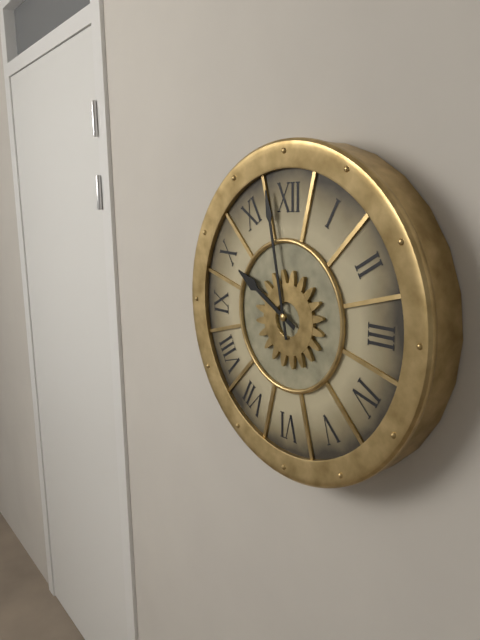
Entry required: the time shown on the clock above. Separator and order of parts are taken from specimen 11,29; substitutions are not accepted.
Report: 9,58
